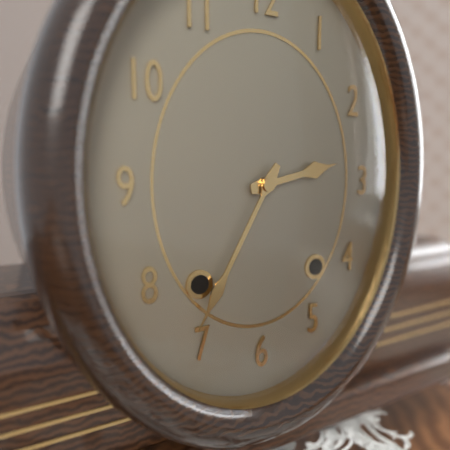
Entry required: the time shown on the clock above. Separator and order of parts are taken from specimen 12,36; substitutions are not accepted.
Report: 2,35
